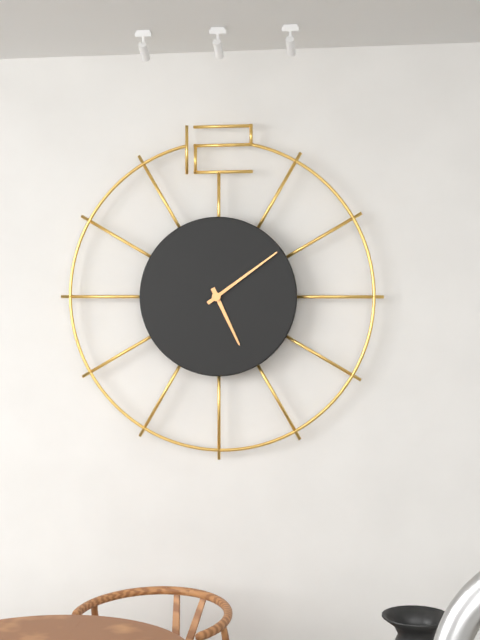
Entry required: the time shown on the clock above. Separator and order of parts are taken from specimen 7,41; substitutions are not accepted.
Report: 5,09
